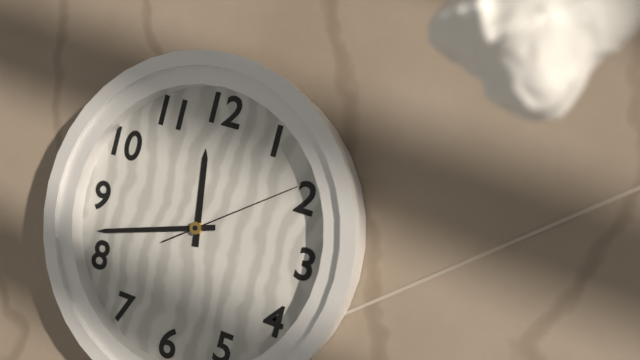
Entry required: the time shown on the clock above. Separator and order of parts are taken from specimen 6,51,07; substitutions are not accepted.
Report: 11,42,09
